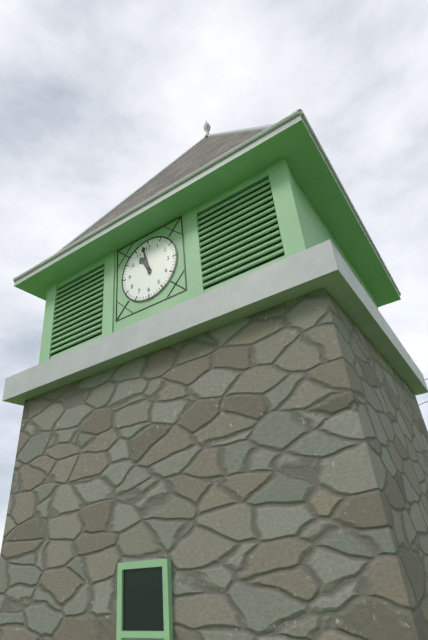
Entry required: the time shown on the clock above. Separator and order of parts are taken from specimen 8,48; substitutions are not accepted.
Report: 10,58
